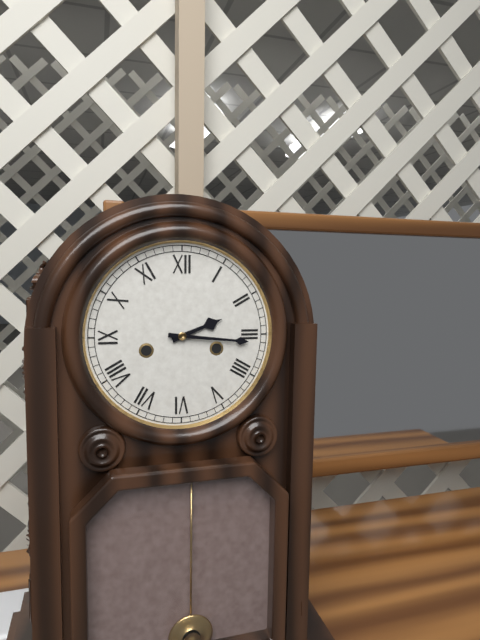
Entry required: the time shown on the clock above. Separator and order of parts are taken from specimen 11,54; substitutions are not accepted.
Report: 2,16
